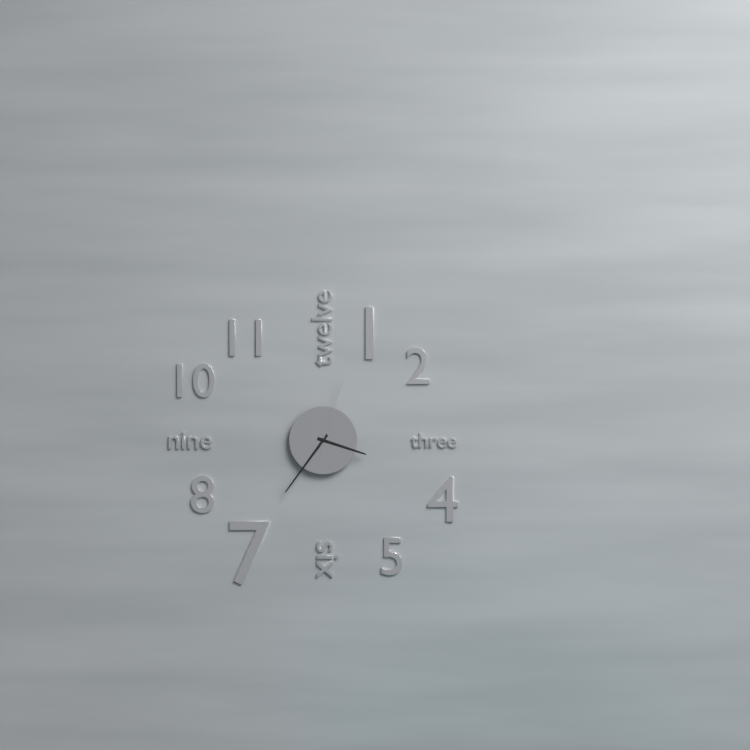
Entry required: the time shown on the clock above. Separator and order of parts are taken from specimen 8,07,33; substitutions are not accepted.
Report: 3,36,03
